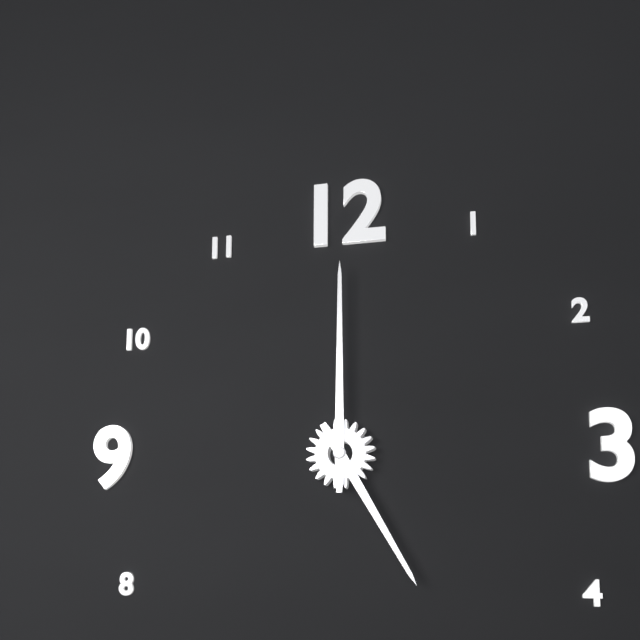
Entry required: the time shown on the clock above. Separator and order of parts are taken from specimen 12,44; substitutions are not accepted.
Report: 5,00
